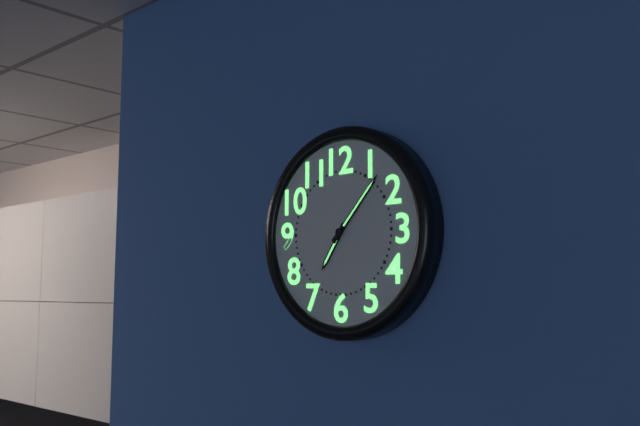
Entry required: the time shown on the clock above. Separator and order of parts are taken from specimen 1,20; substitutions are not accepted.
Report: 7,07
